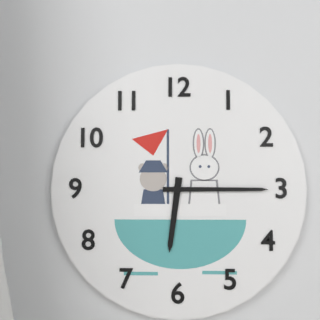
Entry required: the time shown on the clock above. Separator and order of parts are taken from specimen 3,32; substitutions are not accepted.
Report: 6,15
